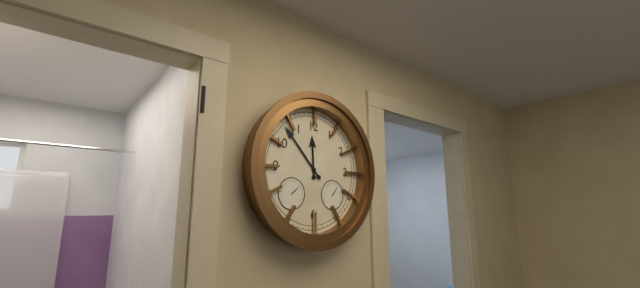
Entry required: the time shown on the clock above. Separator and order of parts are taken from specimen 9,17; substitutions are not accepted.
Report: 11,53
